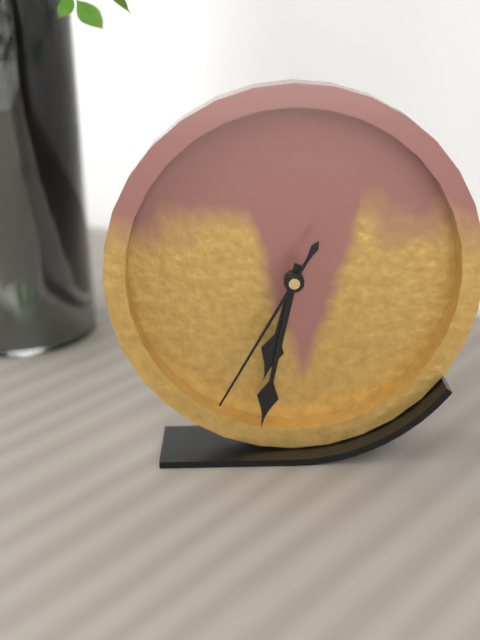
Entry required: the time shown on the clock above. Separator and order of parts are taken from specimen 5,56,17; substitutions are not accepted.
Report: 6,32,35
